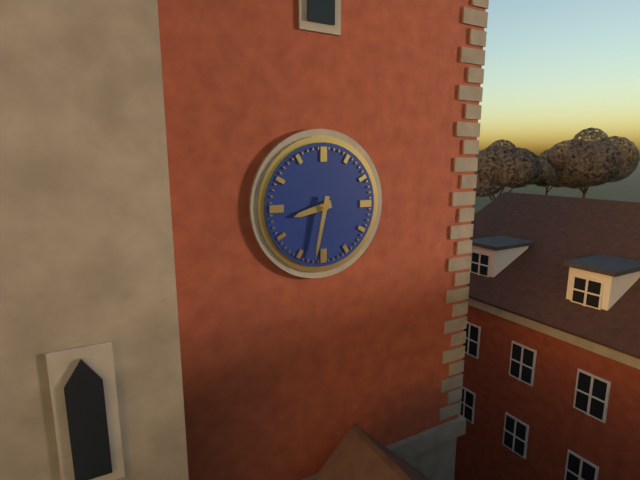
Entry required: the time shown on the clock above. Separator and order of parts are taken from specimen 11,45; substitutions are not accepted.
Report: 8,32
